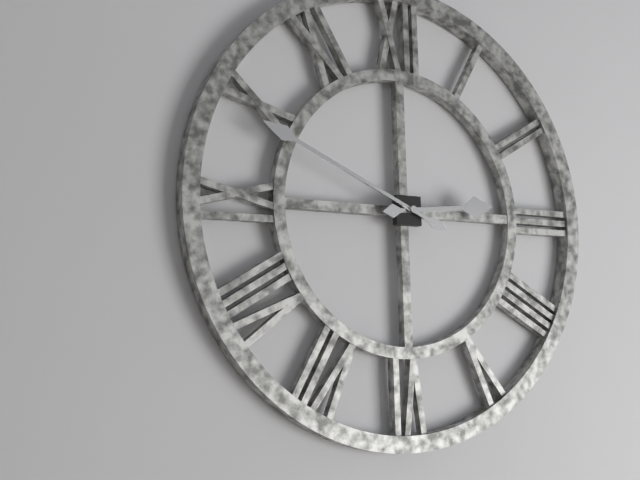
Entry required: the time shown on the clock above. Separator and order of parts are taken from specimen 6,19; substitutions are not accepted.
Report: 2,49
